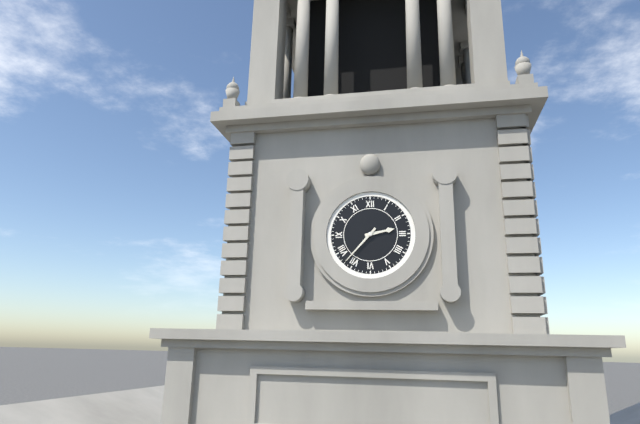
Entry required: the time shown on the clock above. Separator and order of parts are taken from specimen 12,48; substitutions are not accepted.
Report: 2,37
